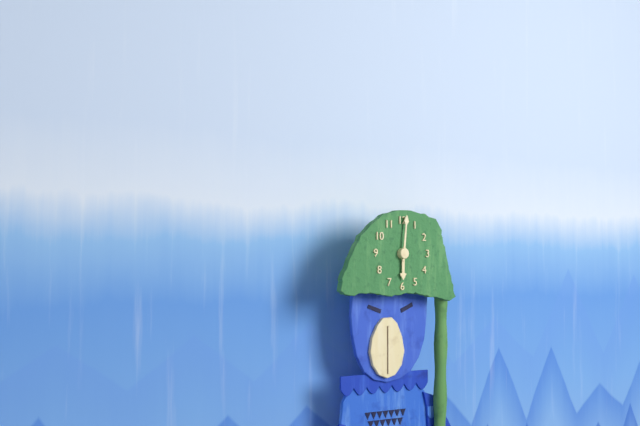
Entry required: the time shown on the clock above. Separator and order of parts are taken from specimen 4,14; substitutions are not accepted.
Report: 6,01
